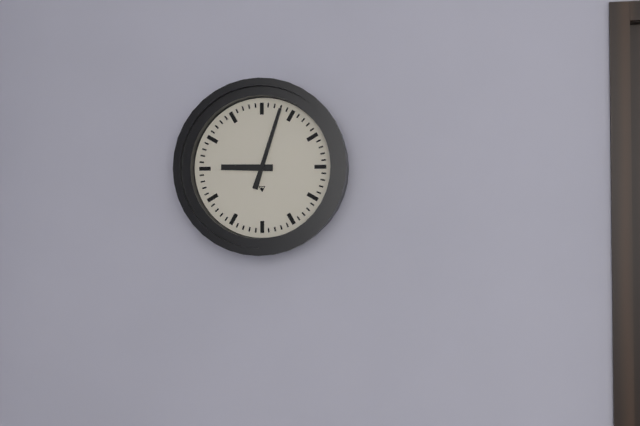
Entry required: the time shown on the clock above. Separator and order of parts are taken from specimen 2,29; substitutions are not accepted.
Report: 9,03
